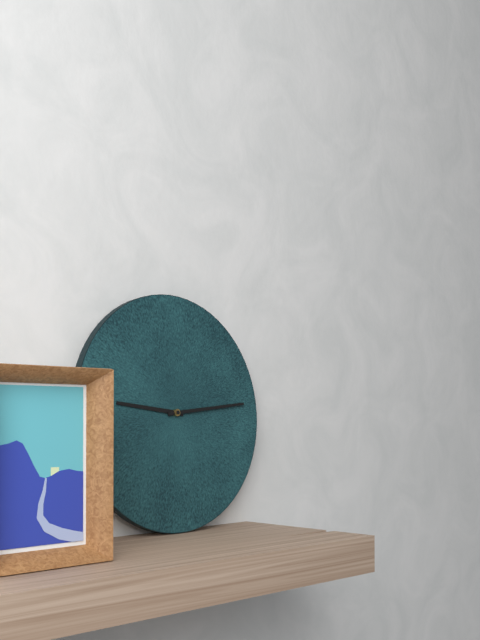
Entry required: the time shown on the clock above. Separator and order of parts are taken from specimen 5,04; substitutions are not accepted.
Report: 9,14
